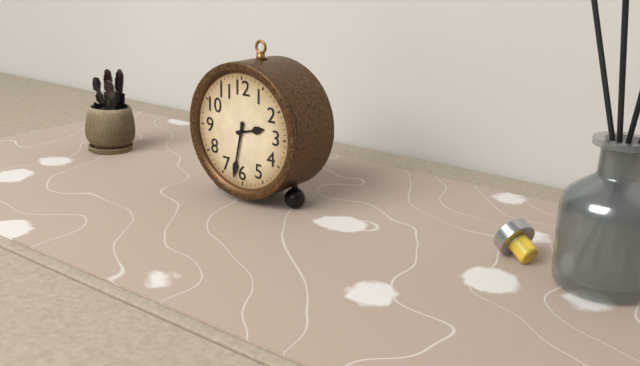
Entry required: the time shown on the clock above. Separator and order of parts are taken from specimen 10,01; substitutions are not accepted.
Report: 2,32
